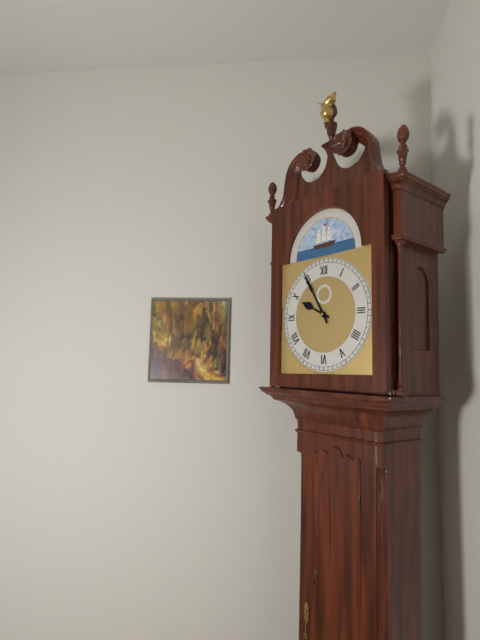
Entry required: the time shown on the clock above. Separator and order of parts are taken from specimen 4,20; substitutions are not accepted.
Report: 9,55
